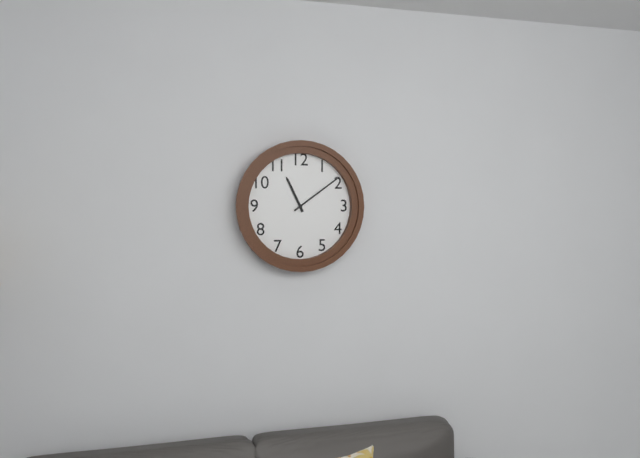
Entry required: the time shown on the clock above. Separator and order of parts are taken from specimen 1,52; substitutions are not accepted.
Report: 11,09
